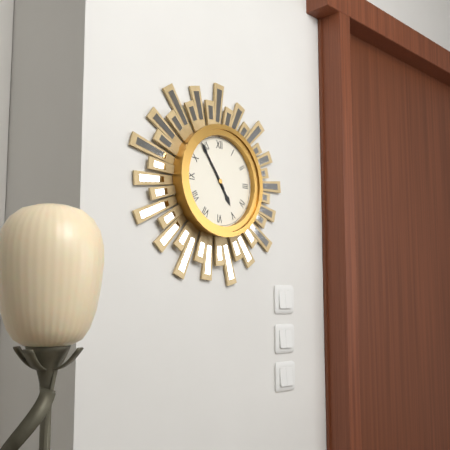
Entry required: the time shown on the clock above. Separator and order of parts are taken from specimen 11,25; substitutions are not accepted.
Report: 4,54
